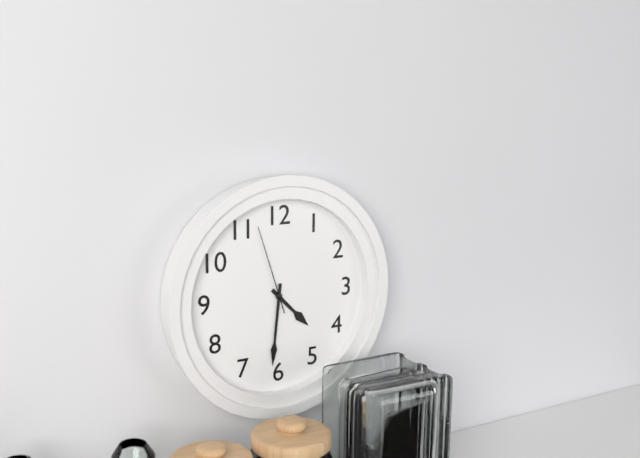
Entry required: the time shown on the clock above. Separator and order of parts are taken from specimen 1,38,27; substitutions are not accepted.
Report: 4,31,57
